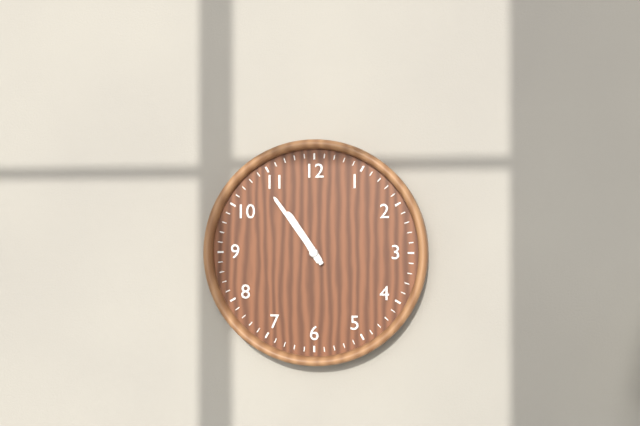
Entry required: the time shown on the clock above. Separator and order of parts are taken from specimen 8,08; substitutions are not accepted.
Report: 10,54
